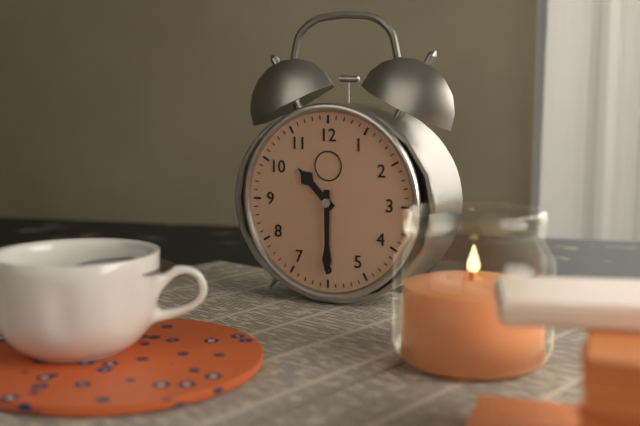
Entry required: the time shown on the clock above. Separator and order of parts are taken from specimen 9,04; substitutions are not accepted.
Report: 10,30
